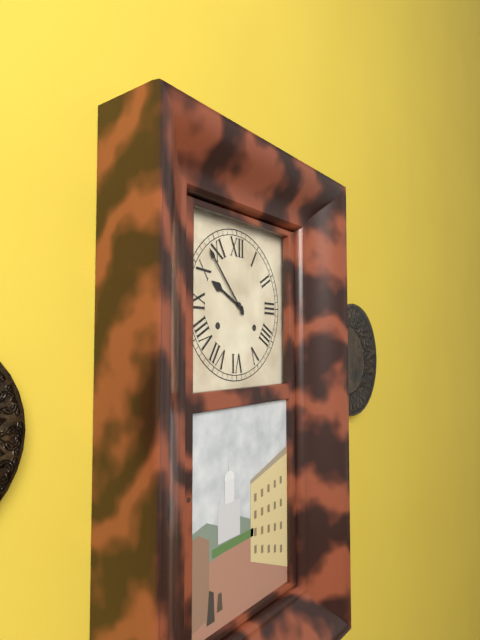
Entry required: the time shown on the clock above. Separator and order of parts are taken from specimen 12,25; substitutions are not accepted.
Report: 9,53
